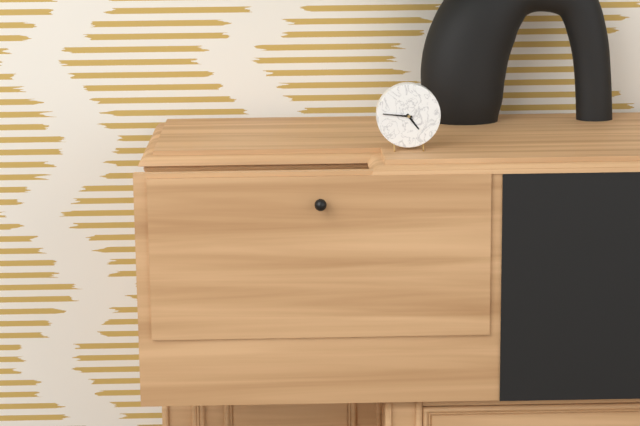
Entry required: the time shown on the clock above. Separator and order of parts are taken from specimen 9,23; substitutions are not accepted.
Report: 4,46
